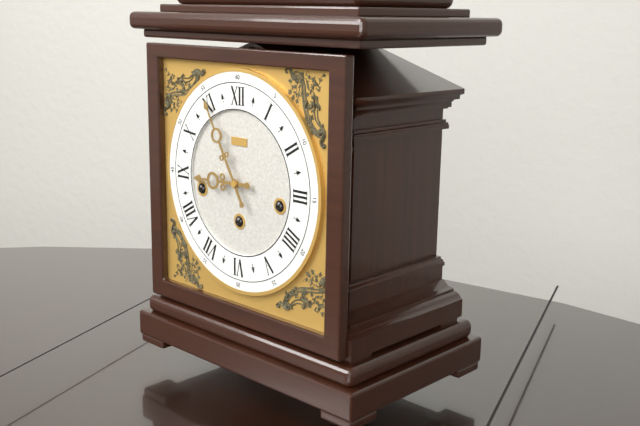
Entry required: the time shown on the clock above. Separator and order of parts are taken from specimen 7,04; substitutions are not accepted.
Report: 8,55
